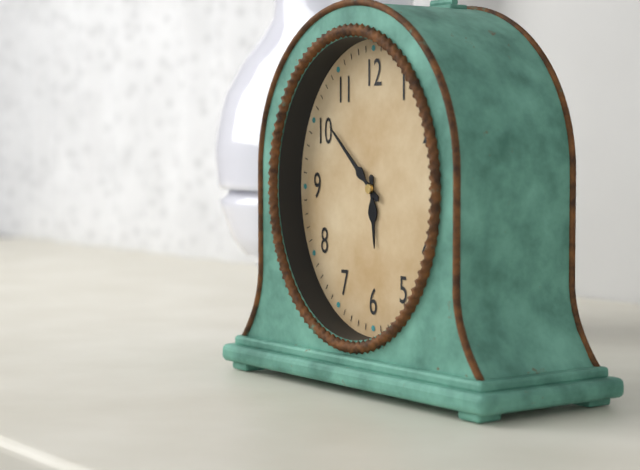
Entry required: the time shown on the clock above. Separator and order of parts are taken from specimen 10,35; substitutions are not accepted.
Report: 5,52
